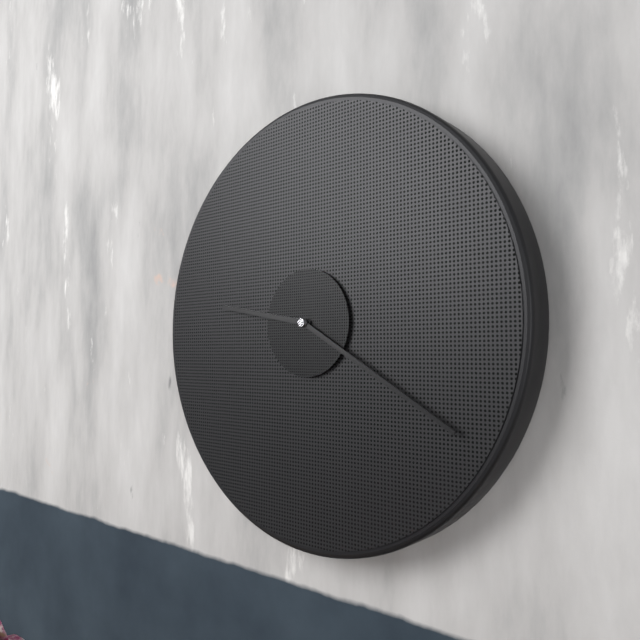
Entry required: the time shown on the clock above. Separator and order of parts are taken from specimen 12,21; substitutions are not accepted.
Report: 9,20
